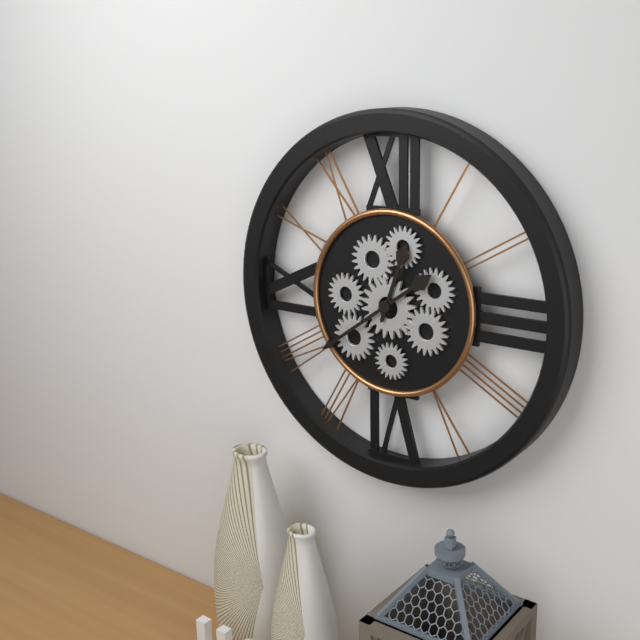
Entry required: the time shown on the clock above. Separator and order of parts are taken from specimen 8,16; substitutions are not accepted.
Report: 12,39
